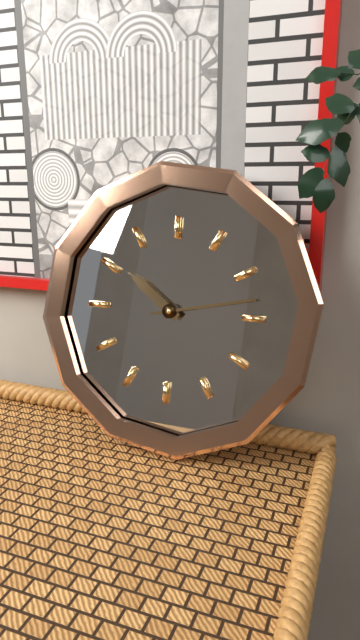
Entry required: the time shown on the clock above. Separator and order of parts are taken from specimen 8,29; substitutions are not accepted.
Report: 10,13
